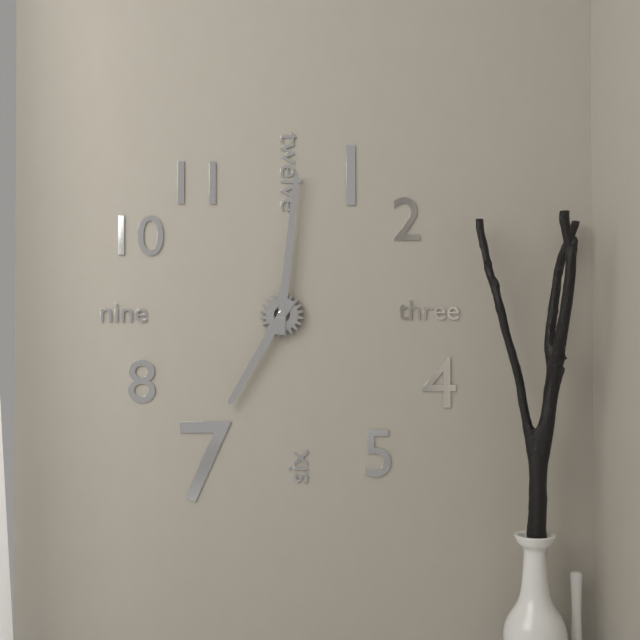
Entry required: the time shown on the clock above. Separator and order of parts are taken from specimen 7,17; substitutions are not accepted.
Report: 7,01
